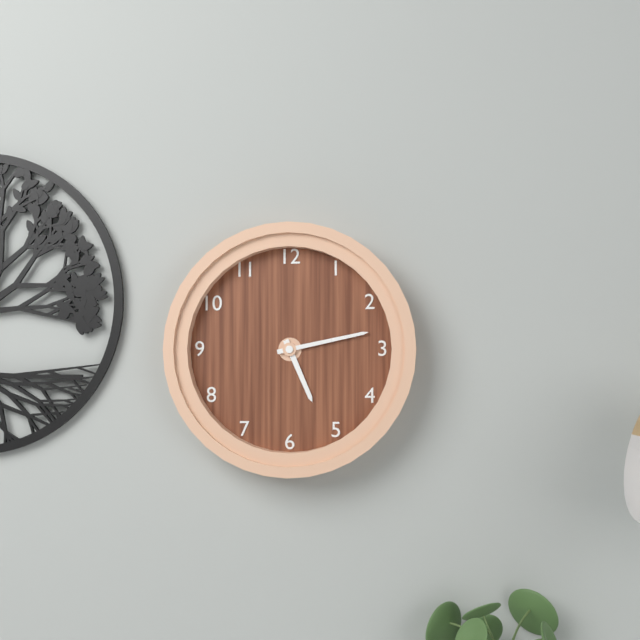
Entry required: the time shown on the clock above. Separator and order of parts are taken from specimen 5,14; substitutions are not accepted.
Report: 5,13
